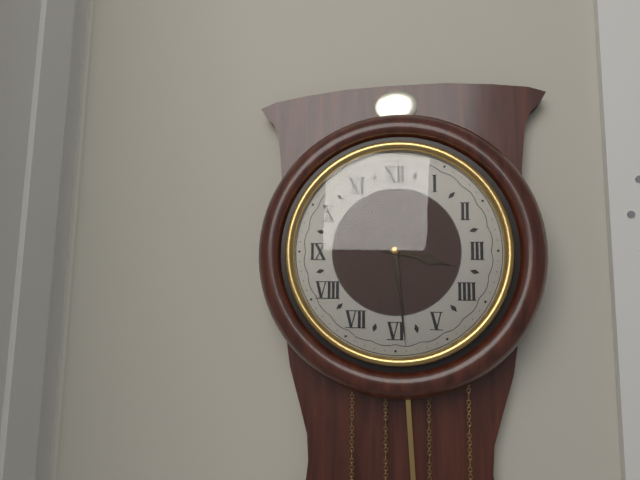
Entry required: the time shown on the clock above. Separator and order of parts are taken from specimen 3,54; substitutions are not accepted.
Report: 3,29
